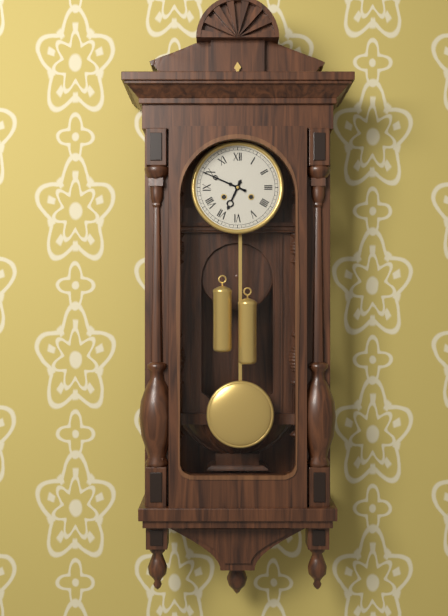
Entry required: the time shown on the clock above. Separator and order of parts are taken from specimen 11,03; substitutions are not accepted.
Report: 6,49
